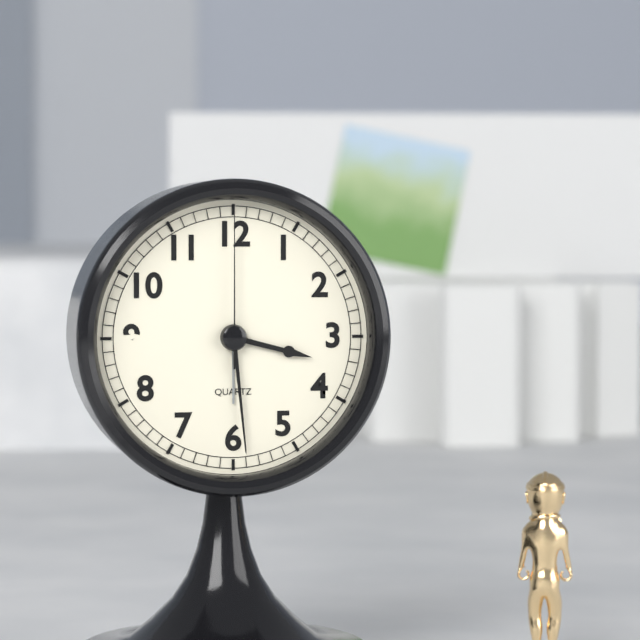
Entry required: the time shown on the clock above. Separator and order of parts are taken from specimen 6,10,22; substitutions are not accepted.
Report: 3,29,00
